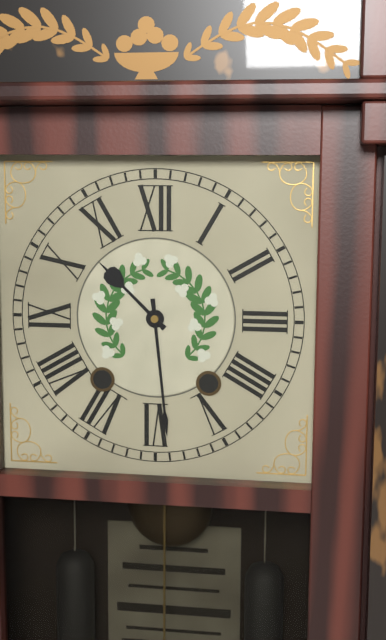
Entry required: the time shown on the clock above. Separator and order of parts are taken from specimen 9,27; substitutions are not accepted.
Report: 10,29
